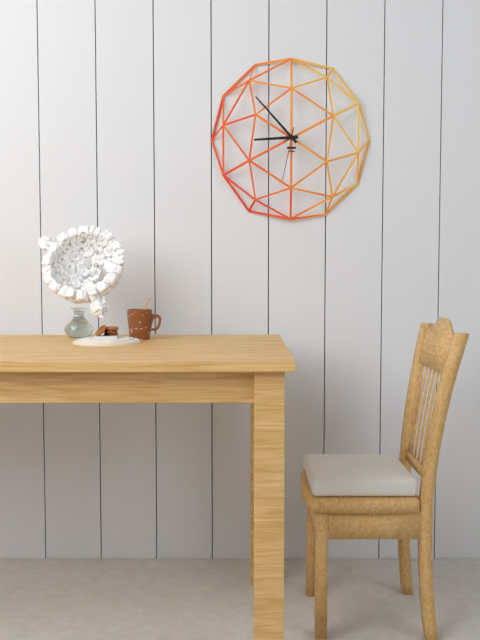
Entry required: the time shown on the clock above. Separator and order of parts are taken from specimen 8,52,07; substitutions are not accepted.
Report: 8,53,32
